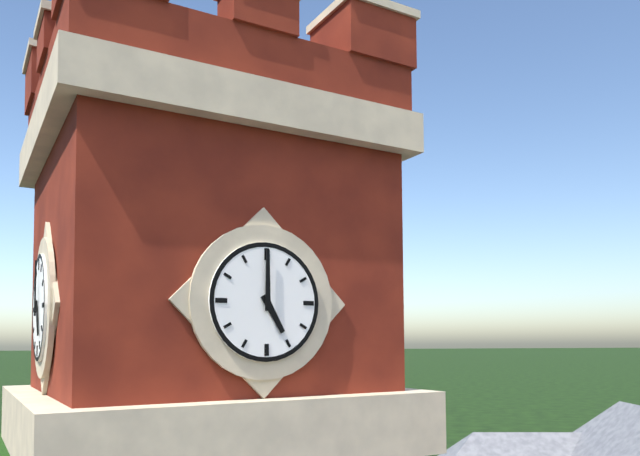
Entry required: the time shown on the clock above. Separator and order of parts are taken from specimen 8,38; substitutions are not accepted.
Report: 5,00
